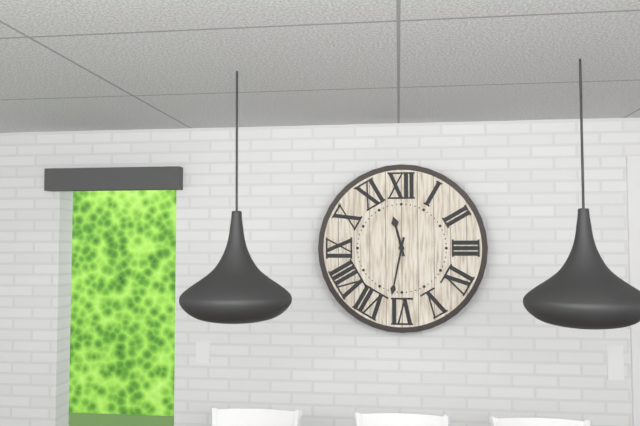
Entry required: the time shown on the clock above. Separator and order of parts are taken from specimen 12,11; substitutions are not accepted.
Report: 11,32
